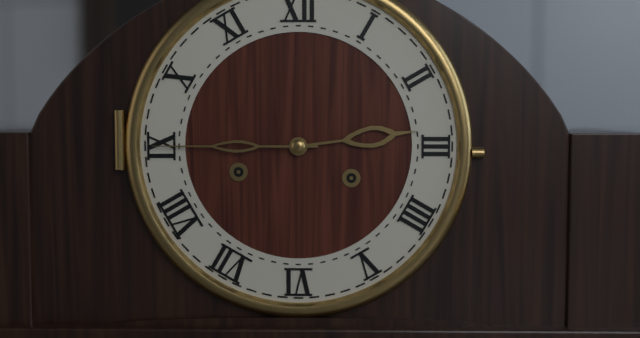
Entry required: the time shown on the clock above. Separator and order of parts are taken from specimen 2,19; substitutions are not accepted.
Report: 2,45
